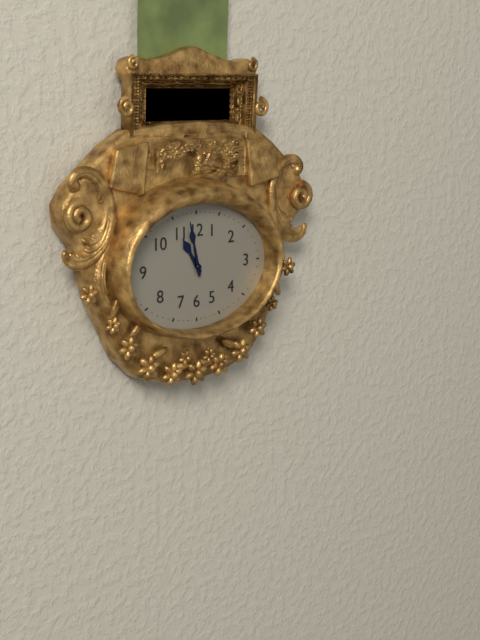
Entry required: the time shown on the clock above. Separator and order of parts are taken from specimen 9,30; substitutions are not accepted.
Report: 10,58
